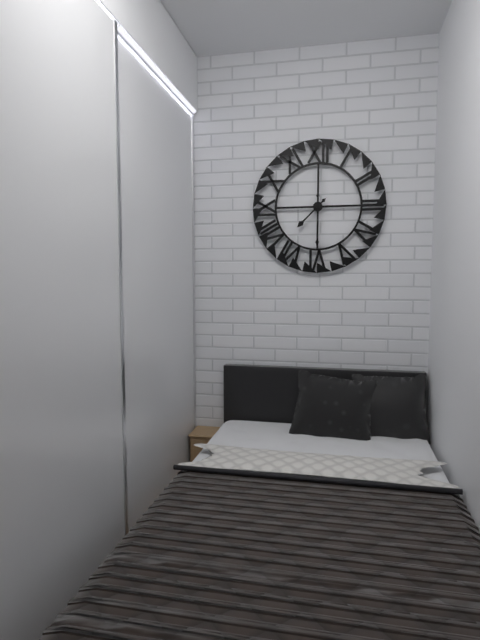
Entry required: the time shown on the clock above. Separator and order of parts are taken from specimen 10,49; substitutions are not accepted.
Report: 7,30
